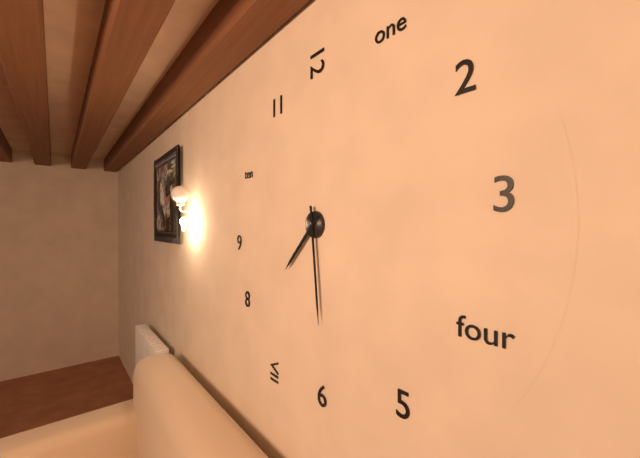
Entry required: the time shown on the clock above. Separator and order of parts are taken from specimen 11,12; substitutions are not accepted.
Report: 7,29
